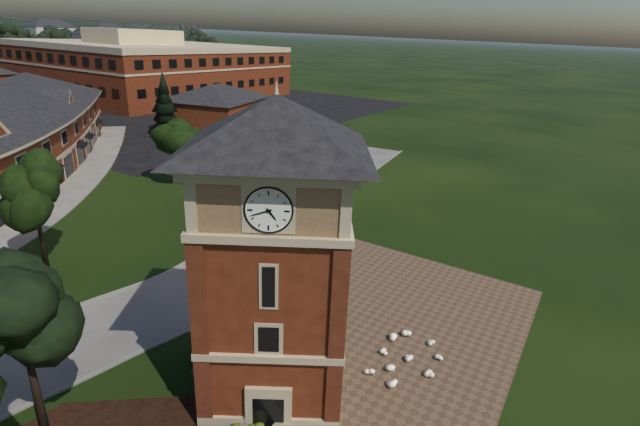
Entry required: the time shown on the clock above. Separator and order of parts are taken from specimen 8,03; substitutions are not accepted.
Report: 4,42
